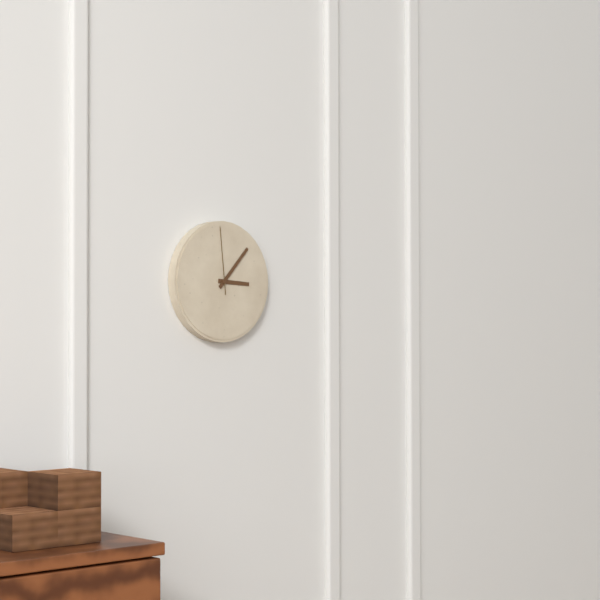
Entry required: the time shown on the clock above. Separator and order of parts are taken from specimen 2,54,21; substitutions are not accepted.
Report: 3,07,59
